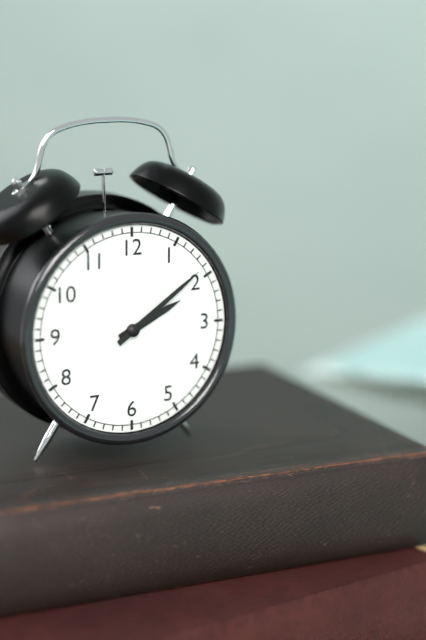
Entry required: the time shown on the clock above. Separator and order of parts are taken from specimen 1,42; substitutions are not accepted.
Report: 2,09
